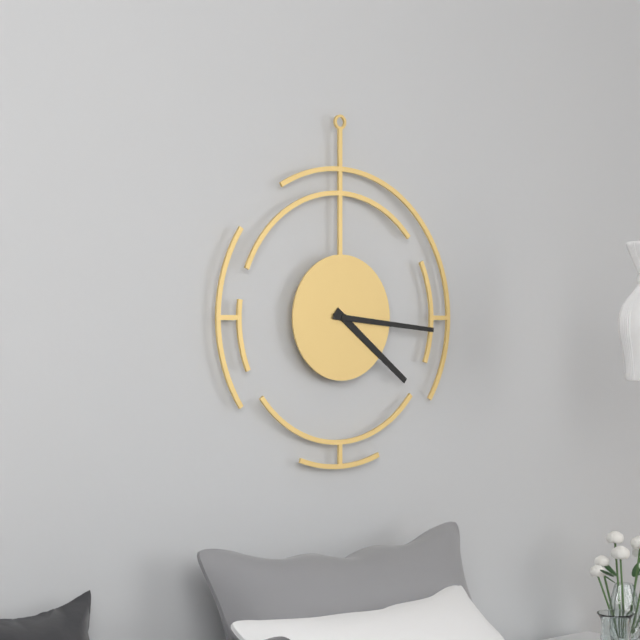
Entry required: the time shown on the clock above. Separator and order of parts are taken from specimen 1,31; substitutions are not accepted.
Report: 4,16
